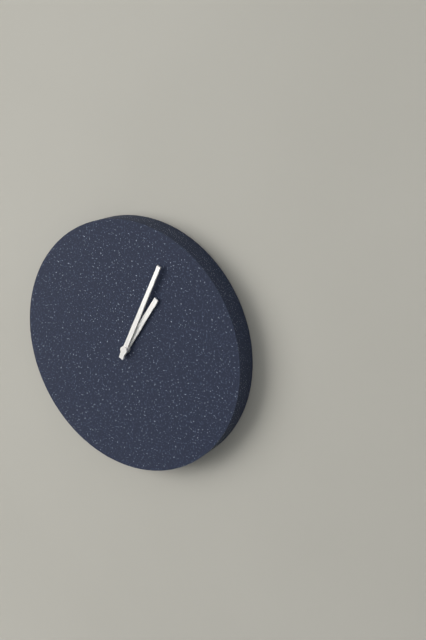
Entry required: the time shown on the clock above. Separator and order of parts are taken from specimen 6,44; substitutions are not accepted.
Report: 1,04
